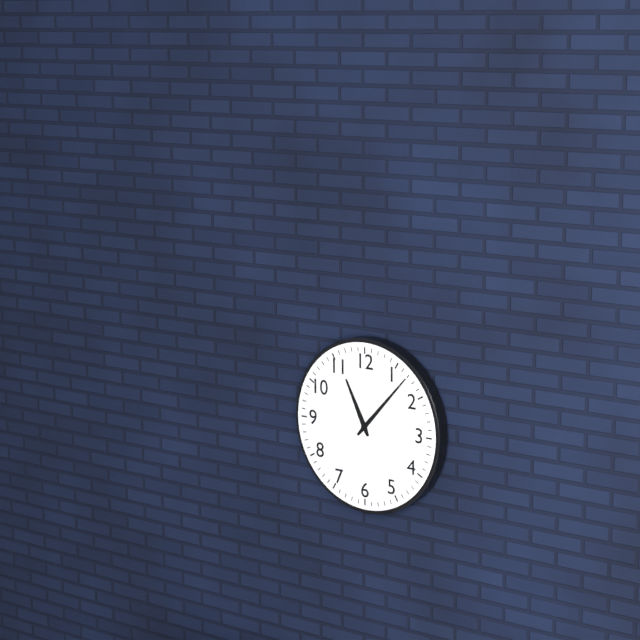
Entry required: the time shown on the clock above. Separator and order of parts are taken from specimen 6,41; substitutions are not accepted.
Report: 11,07
